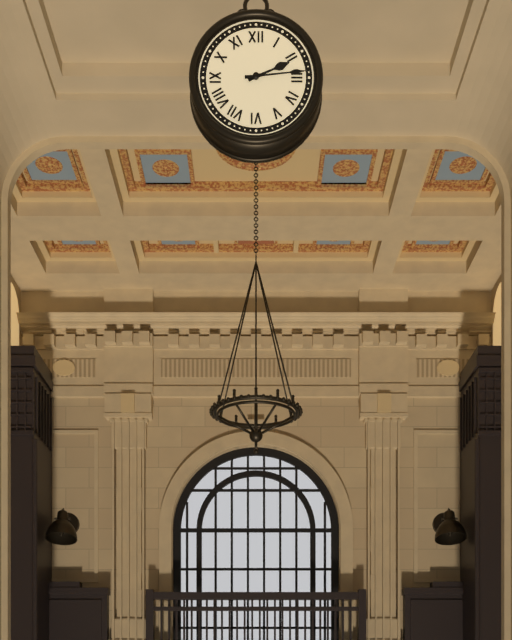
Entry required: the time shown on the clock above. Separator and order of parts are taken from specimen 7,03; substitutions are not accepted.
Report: 2,14
